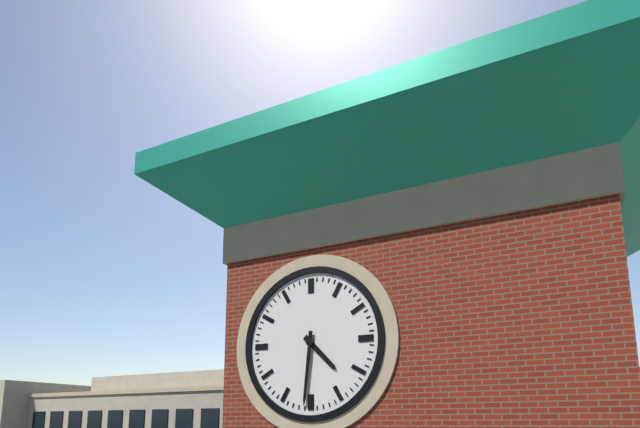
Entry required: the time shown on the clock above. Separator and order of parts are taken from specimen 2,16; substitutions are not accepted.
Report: 4,31
